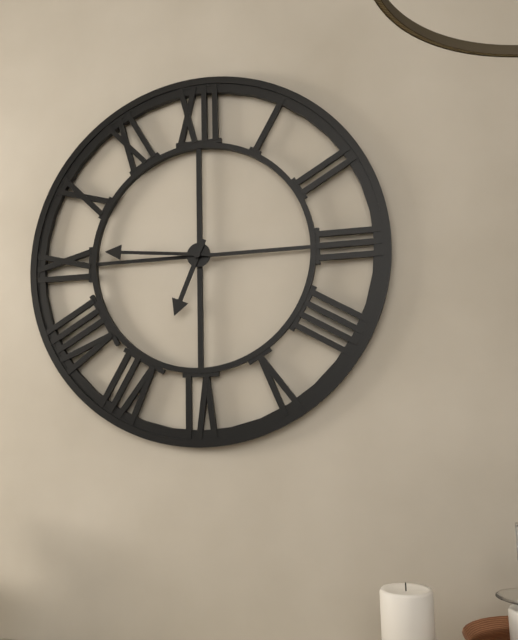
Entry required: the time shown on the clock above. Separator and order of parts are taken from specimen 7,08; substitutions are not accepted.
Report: 6,46
